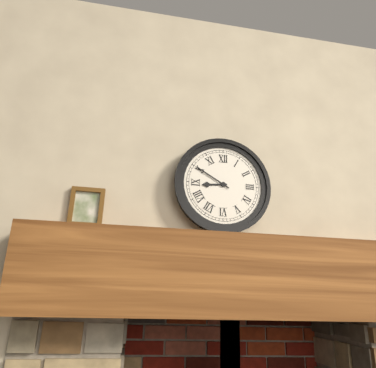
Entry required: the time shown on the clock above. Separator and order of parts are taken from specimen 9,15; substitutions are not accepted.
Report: 8,50
